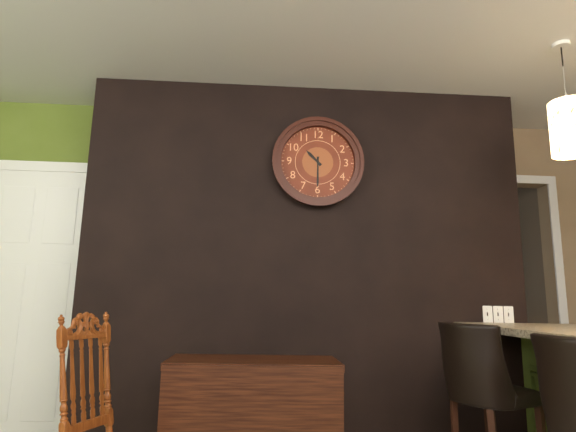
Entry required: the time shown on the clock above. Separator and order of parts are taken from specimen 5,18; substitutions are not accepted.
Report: 10,30
